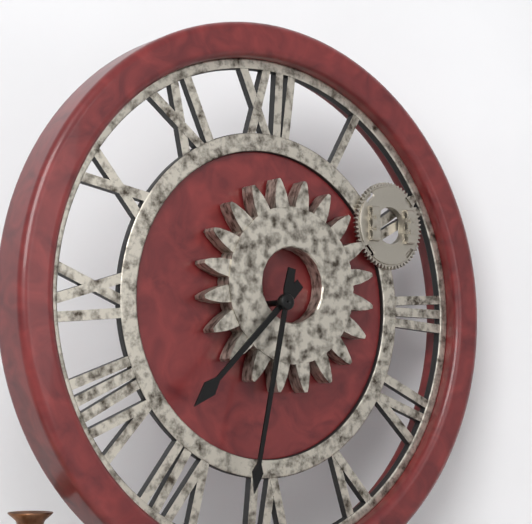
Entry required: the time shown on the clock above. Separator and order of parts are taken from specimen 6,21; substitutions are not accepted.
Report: 7,32
